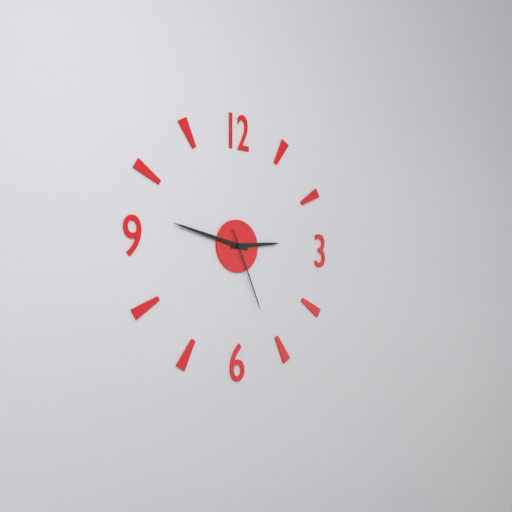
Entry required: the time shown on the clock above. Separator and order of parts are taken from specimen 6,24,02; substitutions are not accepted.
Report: 2,47,26
